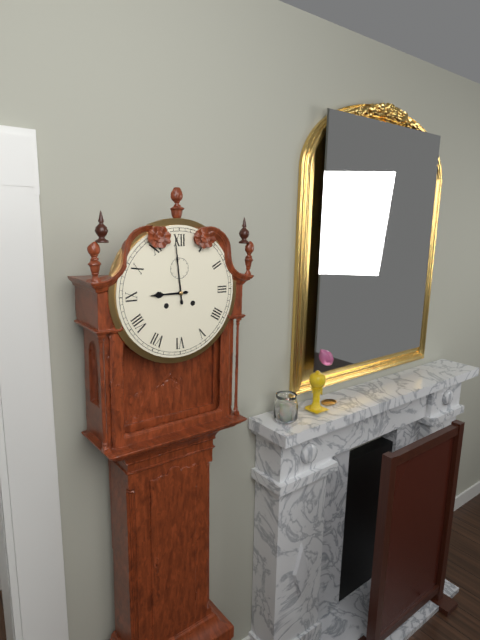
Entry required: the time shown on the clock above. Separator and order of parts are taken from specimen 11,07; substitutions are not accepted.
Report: 8,59
